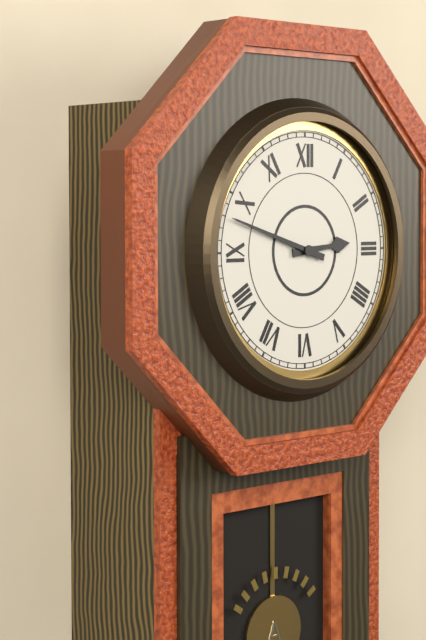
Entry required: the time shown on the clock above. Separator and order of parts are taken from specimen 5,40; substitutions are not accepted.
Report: 2,48
